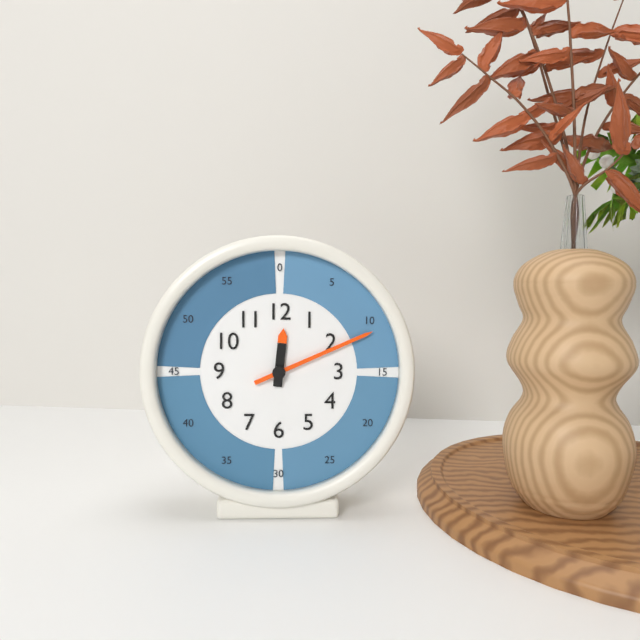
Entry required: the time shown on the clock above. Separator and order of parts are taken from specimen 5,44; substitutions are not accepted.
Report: 12,11
